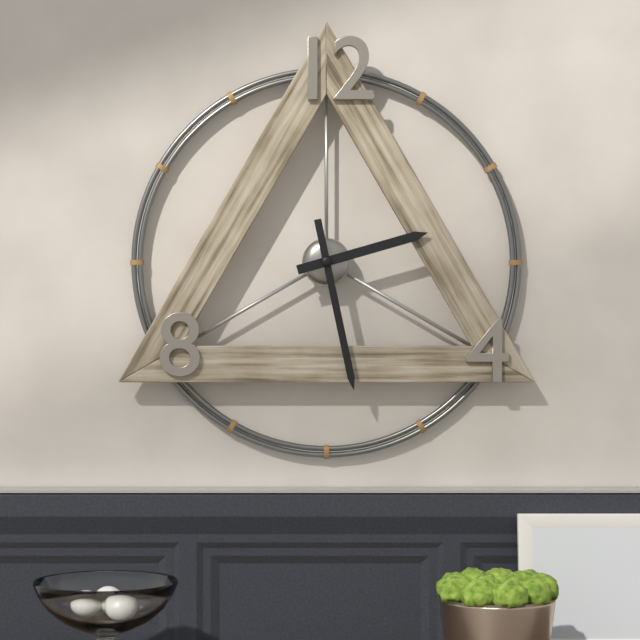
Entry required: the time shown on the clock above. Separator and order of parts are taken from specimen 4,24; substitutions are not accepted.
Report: 2,28
